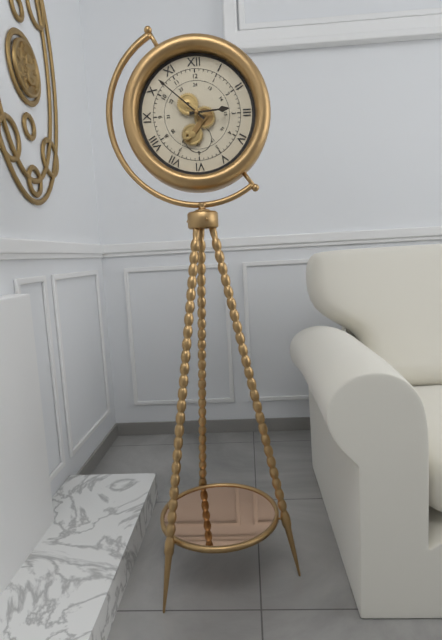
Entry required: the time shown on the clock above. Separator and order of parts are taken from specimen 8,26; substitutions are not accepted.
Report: 2,52
